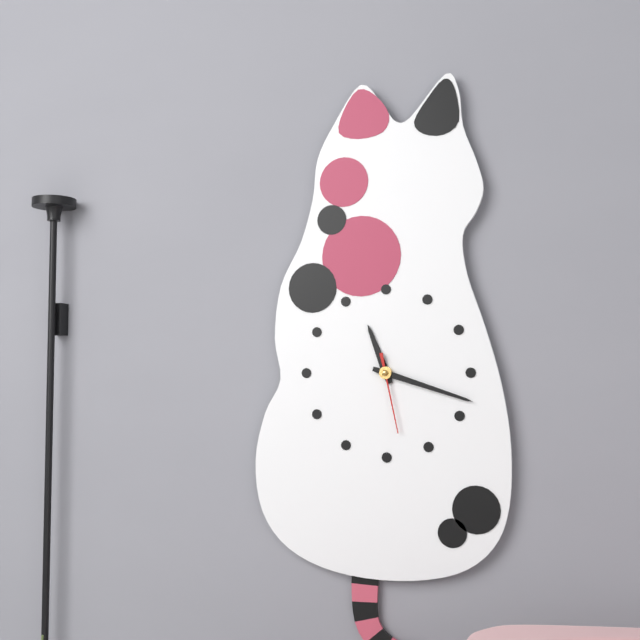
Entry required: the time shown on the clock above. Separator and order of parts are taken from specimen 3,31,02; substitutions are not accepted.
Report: 11,18,28
